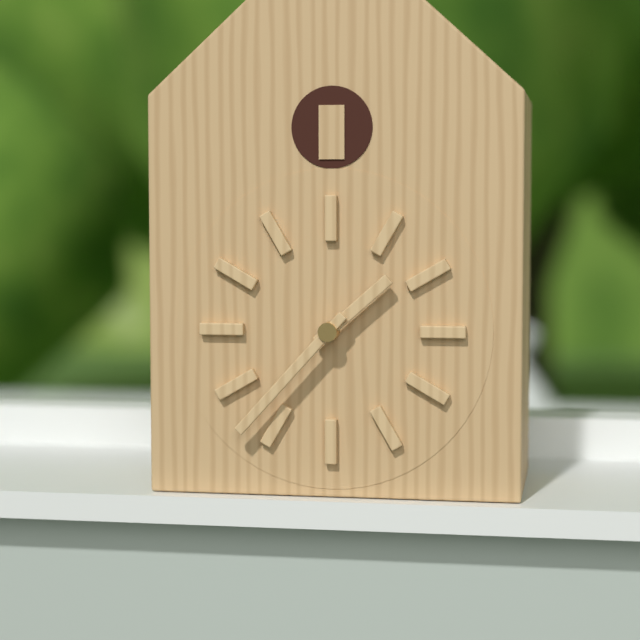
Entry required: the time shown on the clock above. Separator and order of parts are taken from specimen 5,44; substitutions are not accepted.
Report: 1,37
